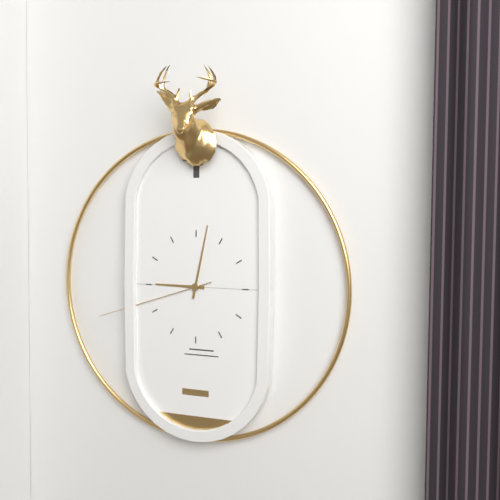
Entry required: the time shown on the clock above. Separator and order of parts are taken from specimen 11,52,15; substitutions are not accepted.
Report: 9,02,42
